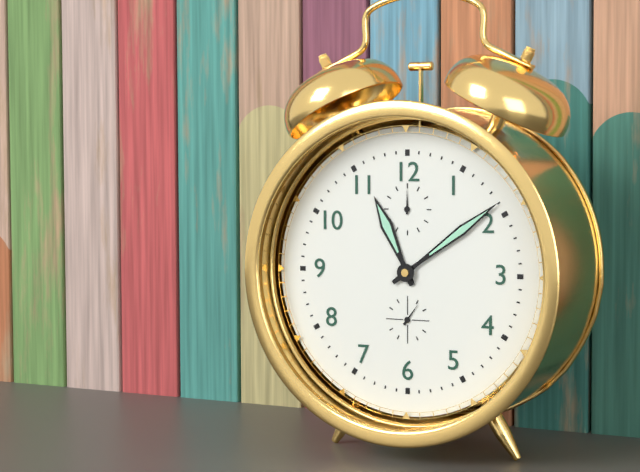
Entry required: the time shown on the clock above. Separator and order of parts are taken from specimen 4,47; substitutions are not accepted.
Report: 11,09
